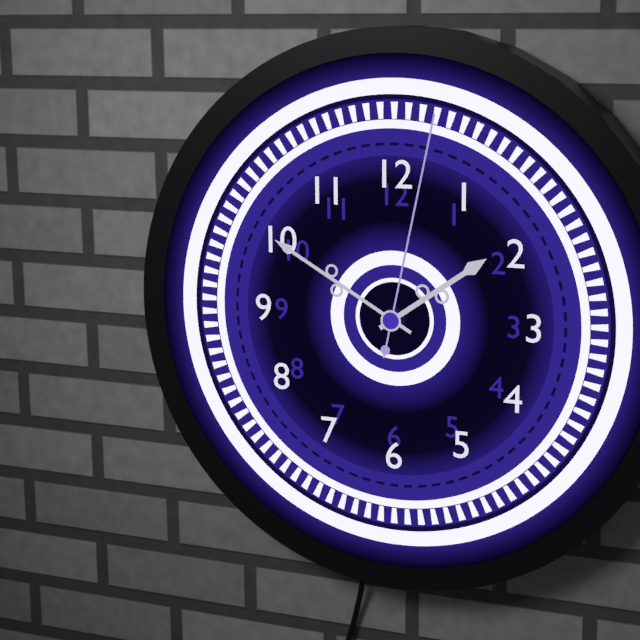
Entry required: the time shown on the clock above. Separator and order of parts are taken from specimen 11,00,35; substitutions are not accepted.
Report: 1,50,02
